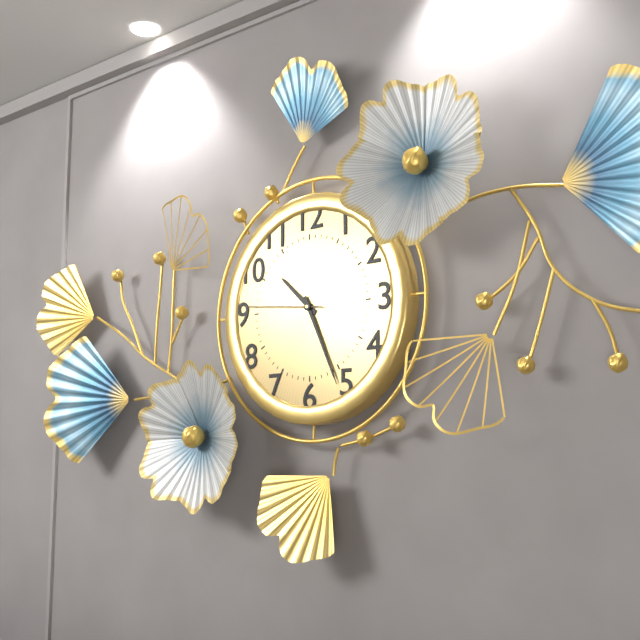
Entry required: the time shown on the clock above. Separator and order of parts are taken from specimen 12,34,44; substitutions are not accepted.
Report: 10,26,46
